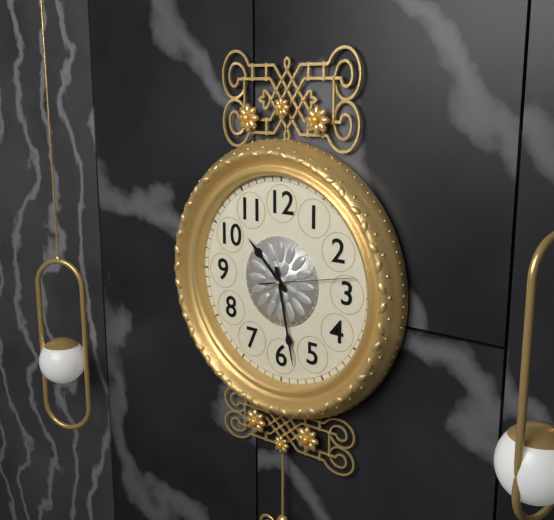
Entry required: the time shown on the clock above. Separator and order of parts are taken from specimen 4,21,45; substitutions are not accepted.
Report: 10,28,13
